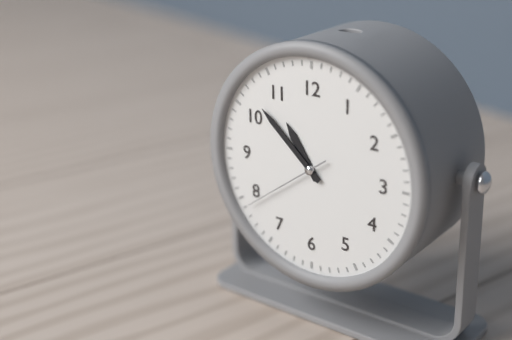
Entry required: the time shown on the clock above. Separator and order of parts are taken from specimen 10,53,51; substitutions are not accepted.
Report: 10,52,39
